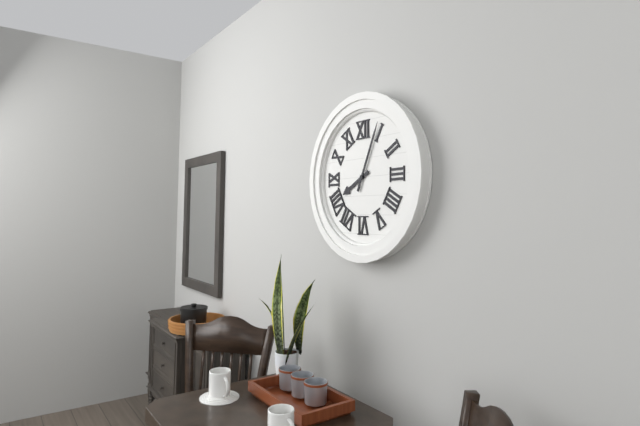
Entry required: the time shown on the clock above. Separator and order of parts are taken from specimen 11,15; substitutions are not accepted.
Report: 8,04
